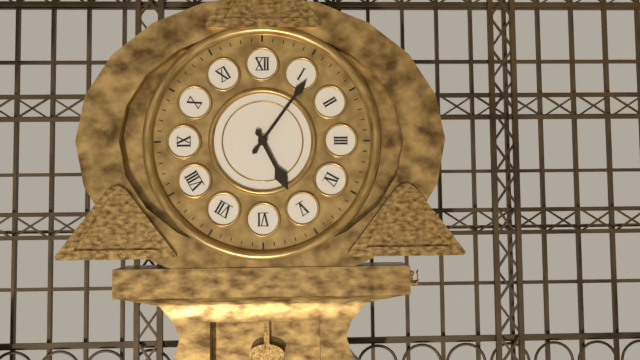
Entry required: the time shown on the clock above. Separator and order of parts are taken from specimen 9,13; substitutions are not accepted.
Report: 5,06
